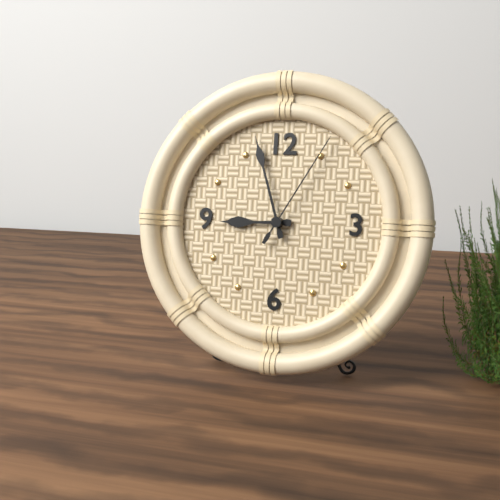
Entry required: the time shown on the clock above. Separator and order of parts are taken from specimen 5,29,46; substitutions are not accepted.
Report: 8,57,05
